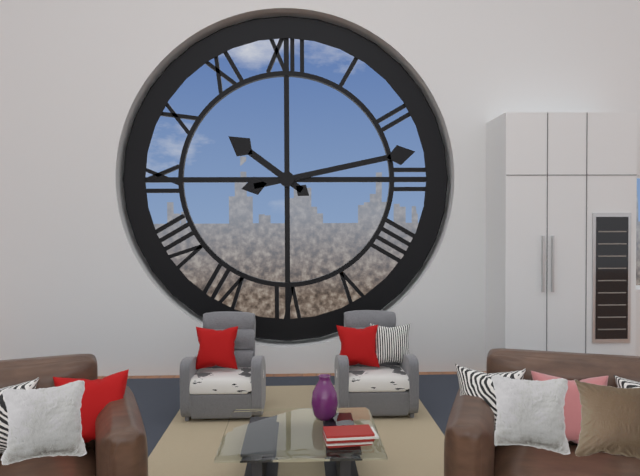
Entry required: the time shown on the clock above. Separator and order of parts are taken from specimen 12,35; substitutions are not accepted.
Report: 10,13
